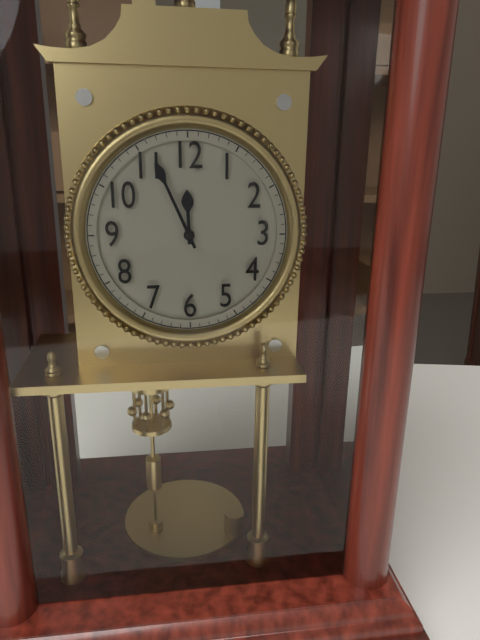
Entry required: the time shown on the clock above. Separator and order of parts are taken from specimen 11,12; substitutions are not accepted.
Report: 11,56
